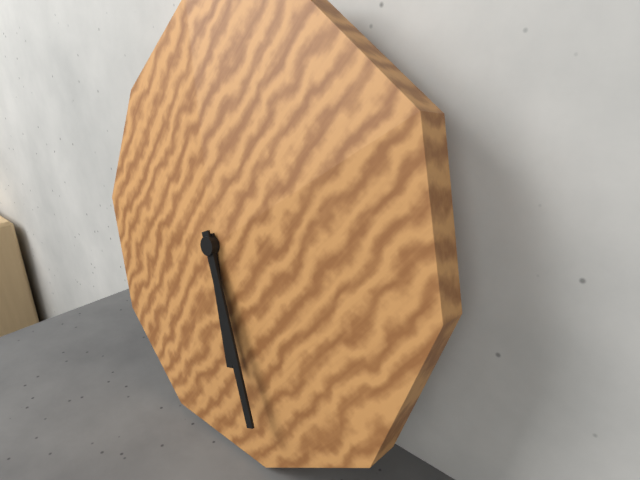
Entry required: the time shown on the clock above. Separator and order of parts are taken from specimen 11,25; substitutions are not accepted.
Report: 5,26
